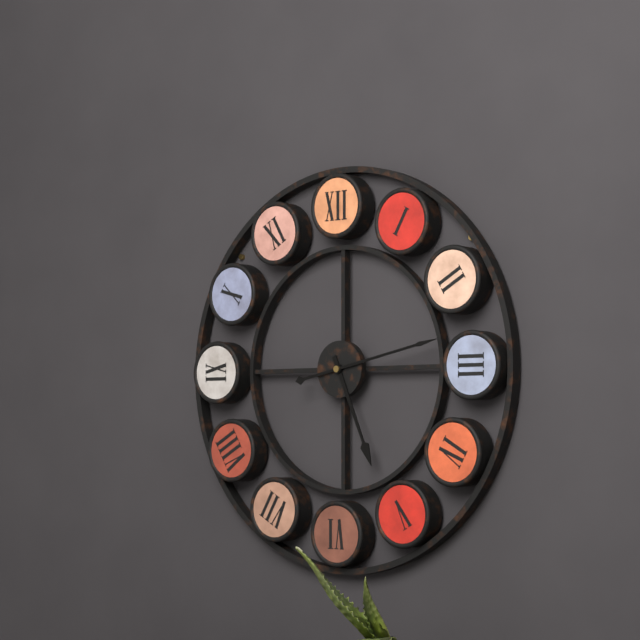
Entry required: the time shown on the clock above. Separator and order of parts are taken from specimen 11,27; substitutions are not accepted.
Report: 5,13
